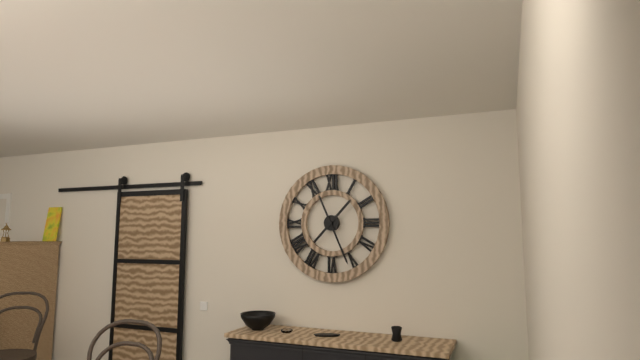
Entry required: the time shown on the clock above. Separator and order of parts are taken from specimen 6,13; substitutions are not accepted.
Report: 1,26
